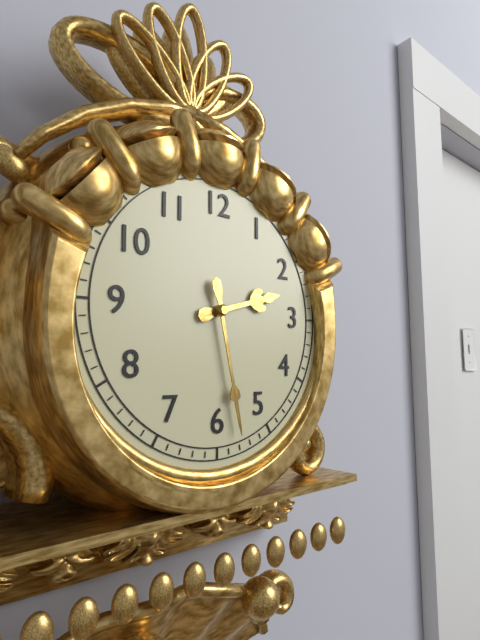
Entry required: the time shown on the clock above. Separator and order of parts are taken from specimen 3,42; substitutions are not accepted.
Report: 2,28
